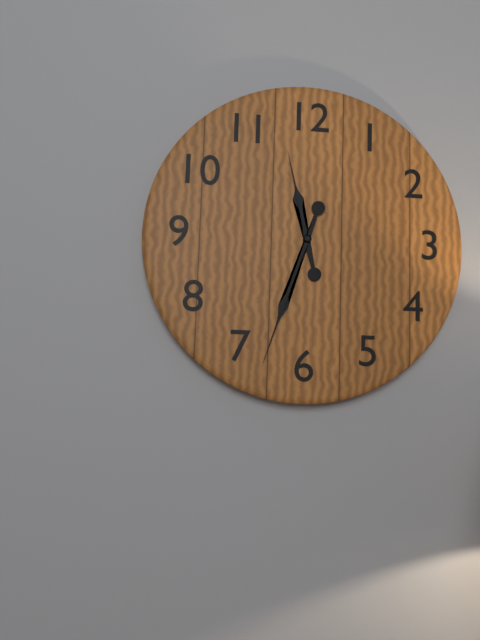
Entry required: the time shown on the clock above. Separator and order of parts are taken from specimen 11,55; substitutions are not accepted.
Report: 11,33
